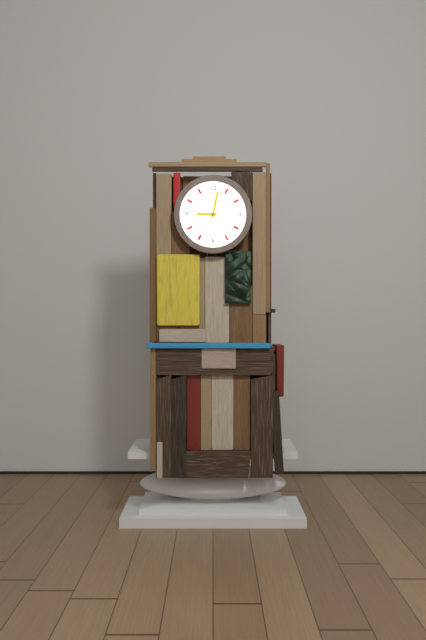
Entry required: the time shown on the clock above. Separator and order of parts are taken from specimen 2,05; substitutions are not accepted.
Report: 9,02
